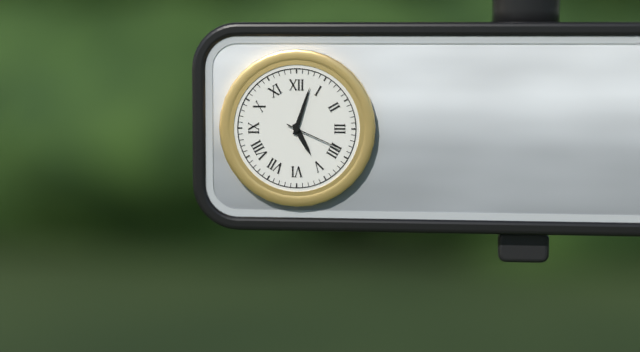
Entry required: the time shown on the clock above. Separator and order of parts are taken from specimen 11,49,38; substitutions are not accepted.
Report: 5,03,19
